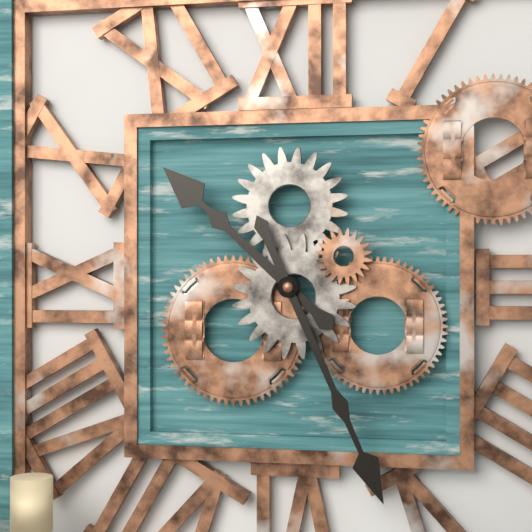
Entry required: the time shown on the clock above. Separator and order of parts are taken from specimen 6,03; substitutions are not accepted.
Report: 10,26
